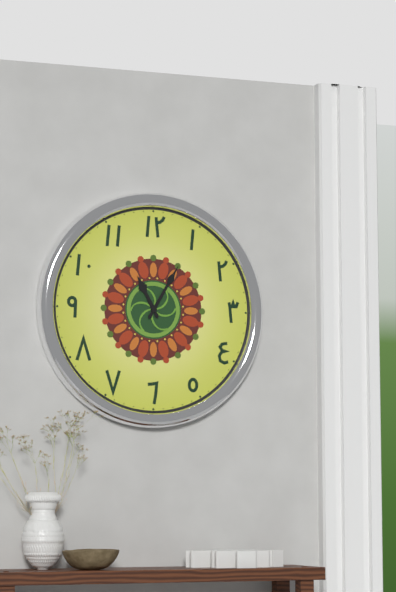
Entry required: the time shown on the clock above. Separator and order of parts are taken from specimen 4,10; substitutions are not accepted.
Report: 11,05
